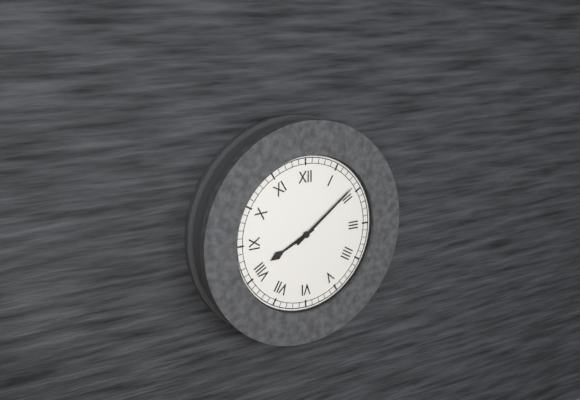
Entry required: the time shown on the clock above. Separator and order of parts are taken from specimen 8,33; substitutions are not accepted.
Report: 8,09
